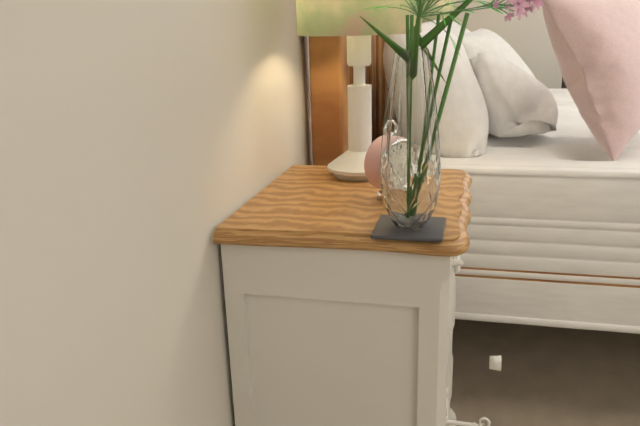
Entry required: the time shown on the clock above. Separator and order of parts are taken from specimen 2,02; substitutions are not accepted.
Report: 3,28
